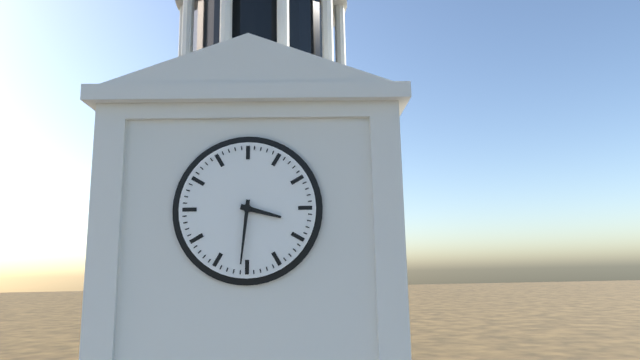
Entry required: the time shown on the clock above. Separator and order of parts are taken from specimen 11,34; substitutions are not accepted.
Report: 3,31
